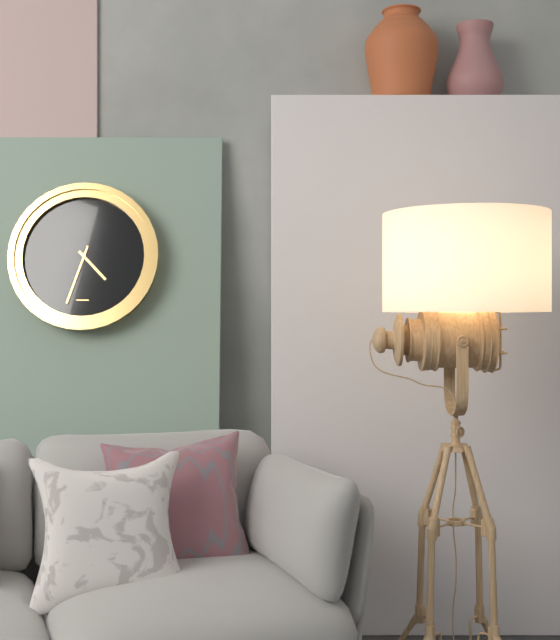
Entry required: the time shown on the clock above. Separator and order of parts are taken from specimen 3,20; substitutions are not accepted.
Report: 4,33
